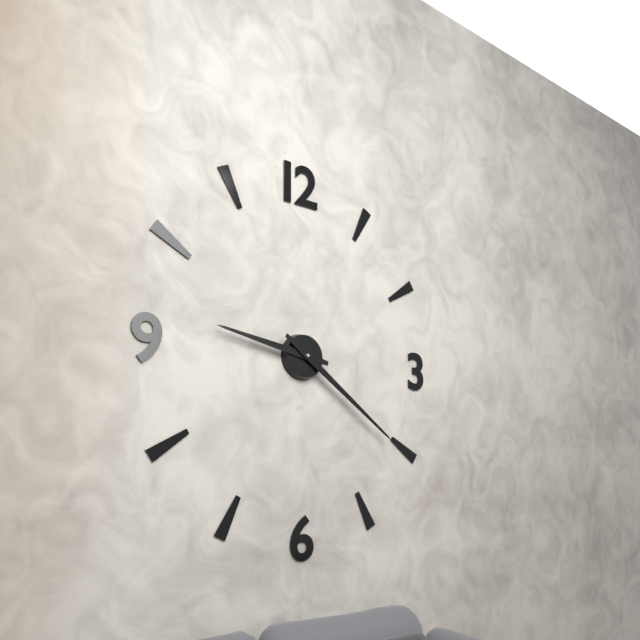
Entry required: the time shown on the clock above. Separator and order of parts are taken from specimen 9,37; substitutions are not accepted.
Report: 9,21
